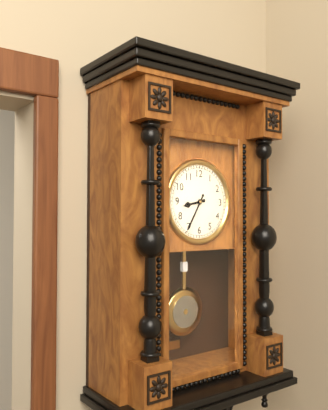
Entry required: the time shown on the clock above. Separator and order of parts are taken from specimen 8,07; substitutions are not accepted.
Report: 8,35
